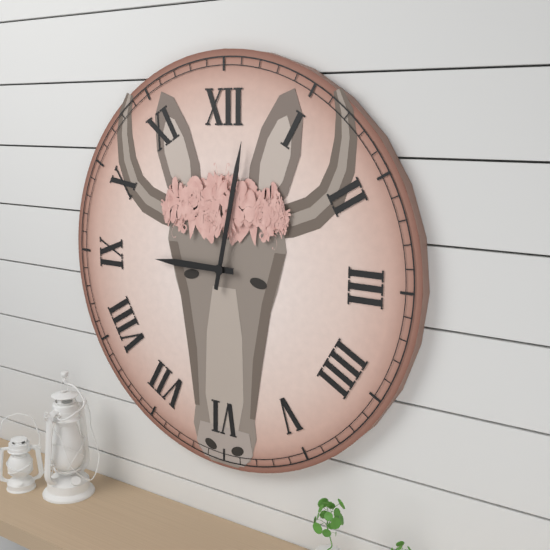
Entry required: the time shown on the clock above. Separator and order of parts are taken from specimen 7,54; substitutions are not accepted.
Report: 9,02
